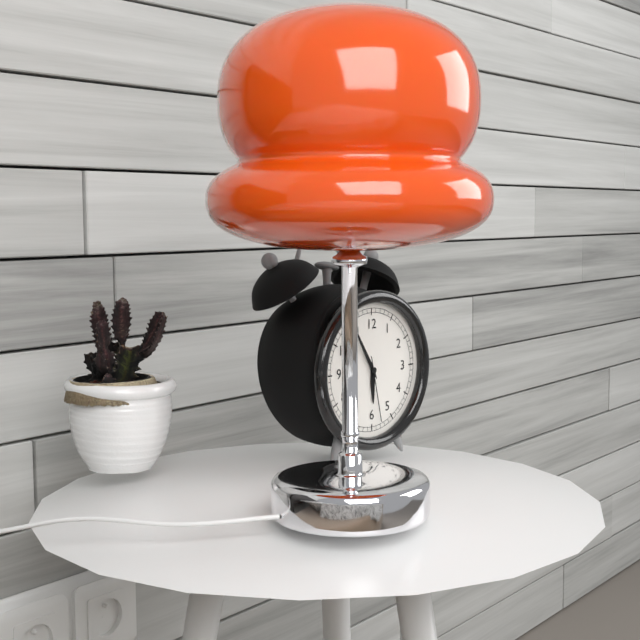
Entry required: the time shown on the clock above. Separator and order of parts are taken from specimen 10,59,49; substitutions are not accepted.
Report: 5,55,28
